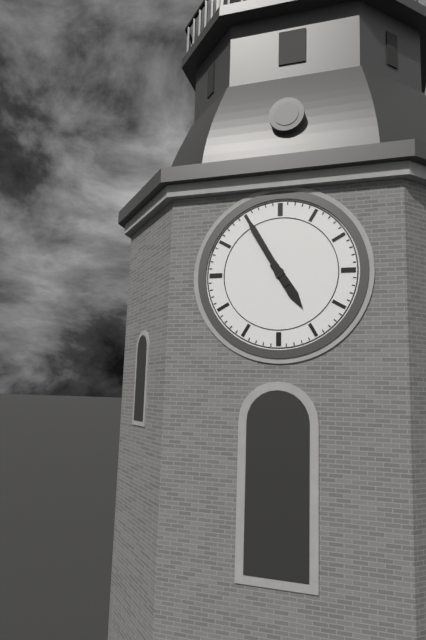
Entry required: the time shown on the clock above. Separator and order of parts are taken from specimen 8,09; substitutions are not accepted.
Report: 4,55
